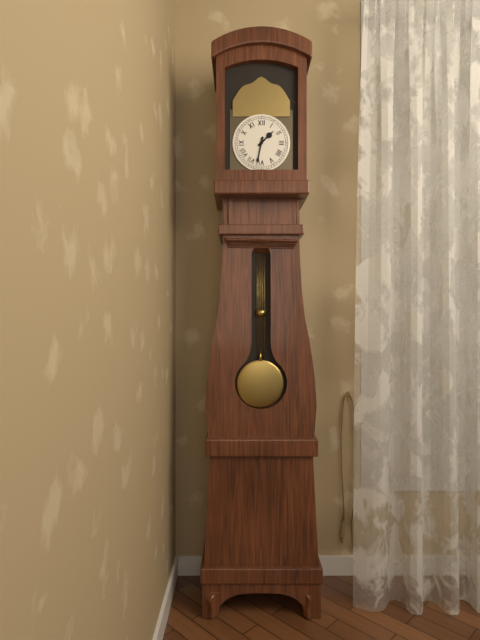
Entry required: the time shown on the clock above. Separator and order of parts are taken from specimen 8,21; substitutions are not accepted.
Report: 1,32
